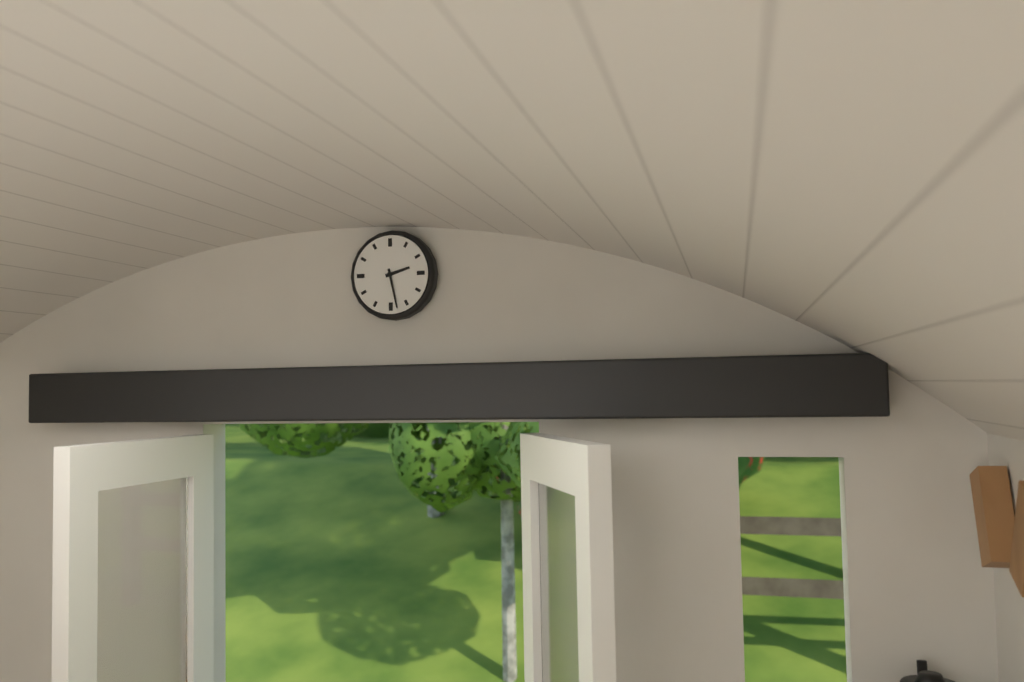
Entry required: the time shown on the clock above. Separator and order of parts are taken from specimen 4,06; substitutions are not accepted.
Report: 2,28
